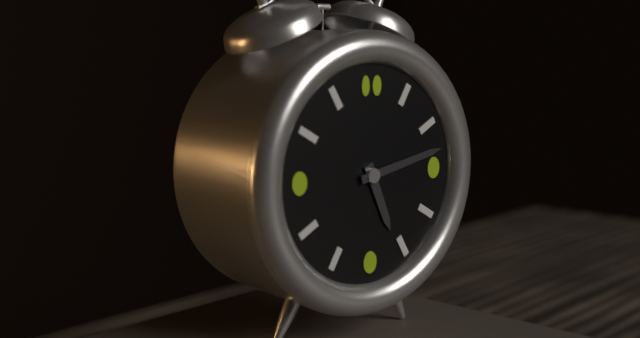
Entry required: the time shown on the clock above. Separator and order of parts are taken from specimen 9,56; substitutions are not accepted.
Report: 5,13
